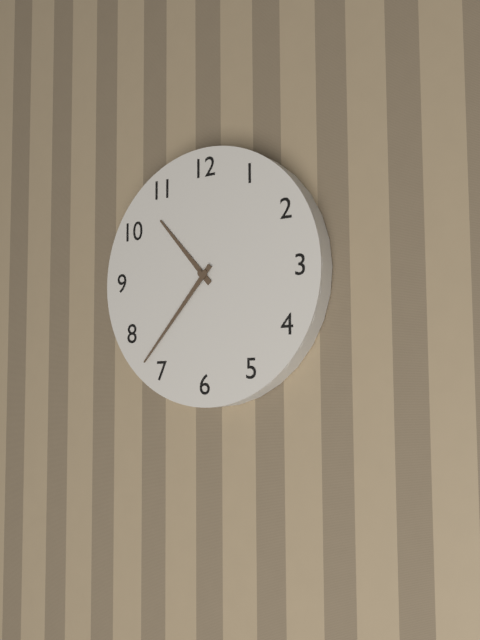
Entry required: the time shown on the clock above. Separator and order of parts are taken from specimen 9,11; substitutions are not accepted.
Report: 10,37
